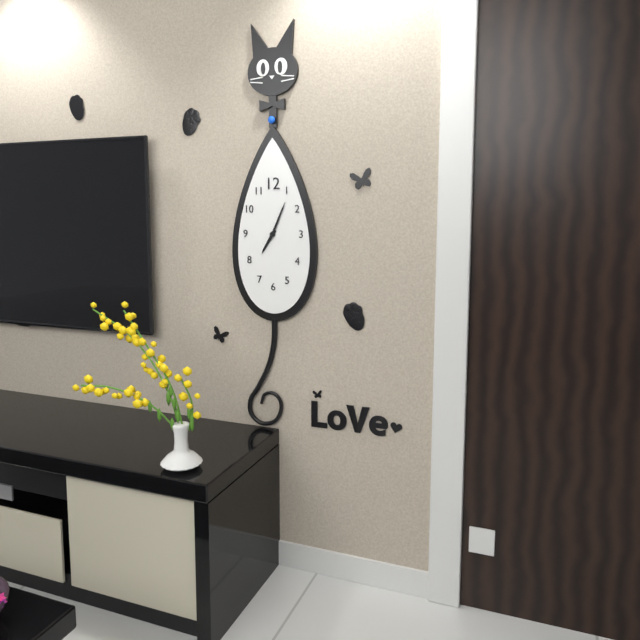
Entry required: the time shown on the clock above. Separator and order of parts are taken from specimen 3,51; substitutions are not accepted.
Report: 7,04
